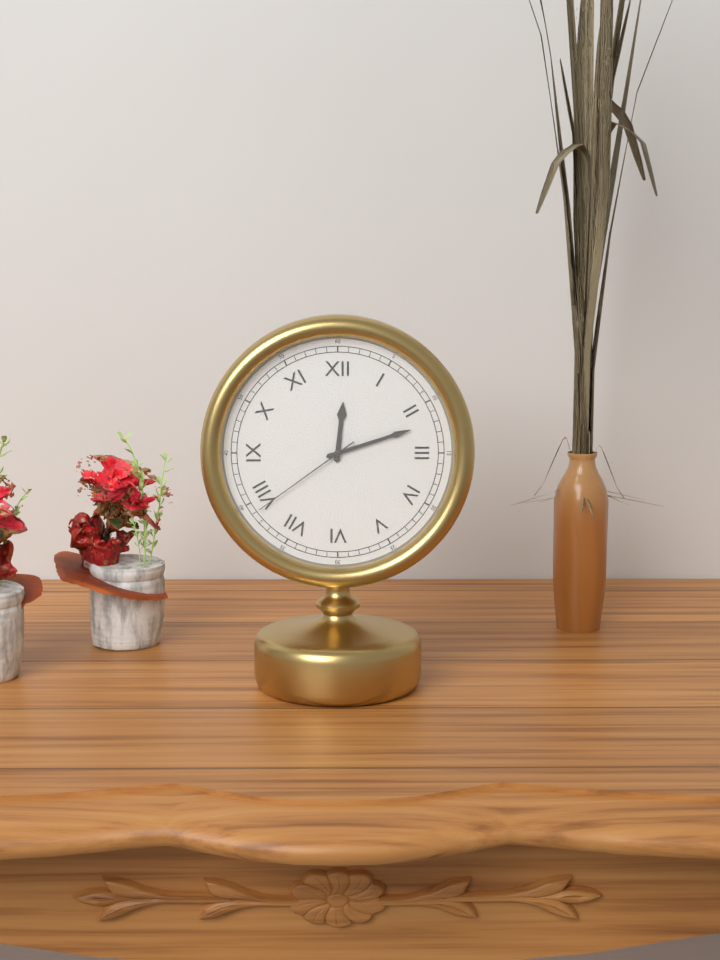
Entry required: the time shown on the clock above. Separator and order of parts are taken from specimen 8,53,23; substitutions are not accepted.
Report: 12,12,39
